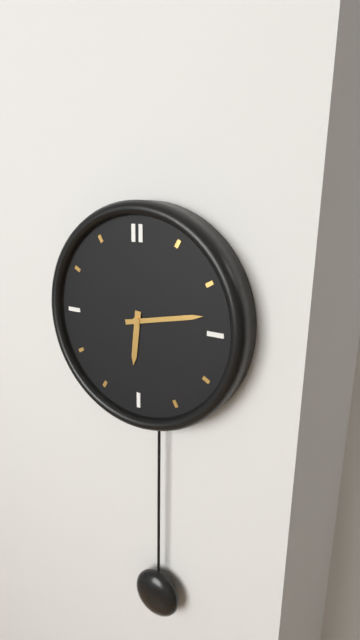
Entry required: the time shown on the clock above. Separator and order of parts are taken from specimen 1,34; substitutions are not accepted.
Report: 6,13
